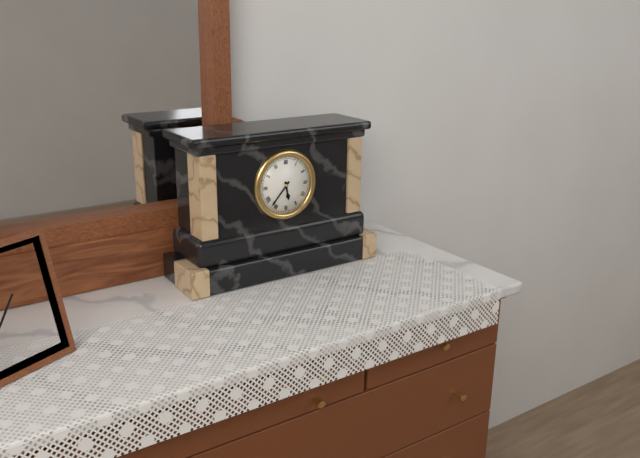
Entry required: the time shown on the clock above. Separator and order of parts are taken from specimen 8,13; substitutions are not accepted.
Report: 5,37
